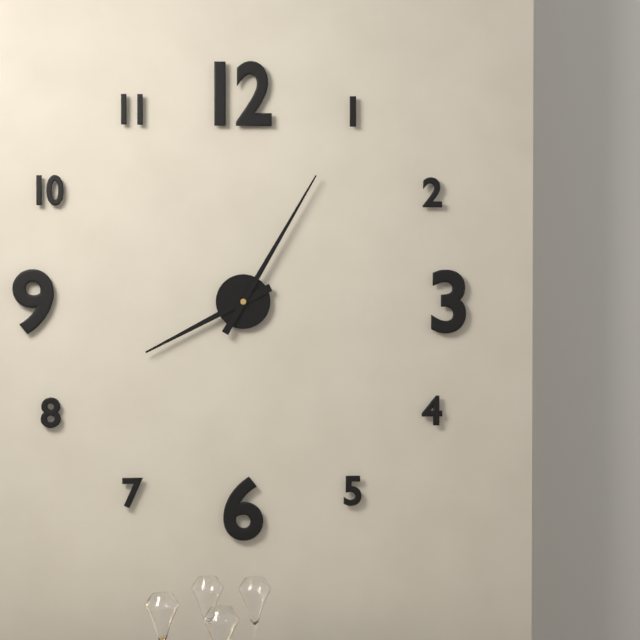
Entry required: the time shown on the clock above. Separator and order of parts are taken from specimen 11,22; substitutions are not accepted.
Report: 8,05
